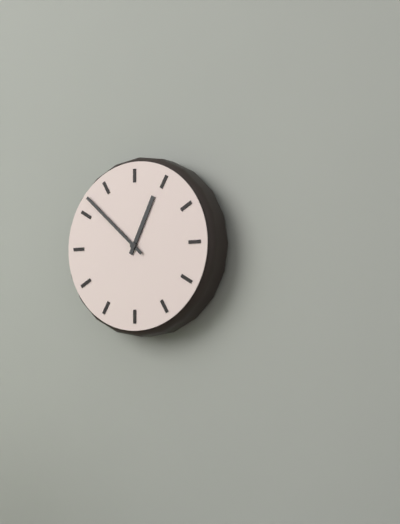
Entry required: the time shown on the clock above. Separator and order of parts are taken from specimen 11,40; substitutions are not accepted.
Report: 12,52
